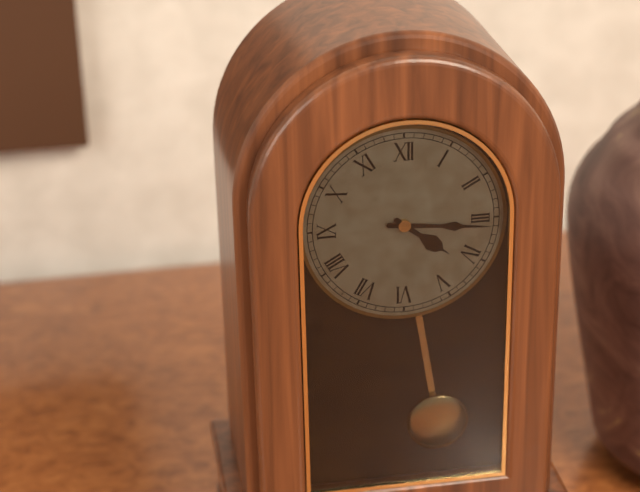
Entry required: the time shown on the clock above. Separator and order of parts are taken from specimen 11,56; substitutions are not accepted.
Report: 4,16
